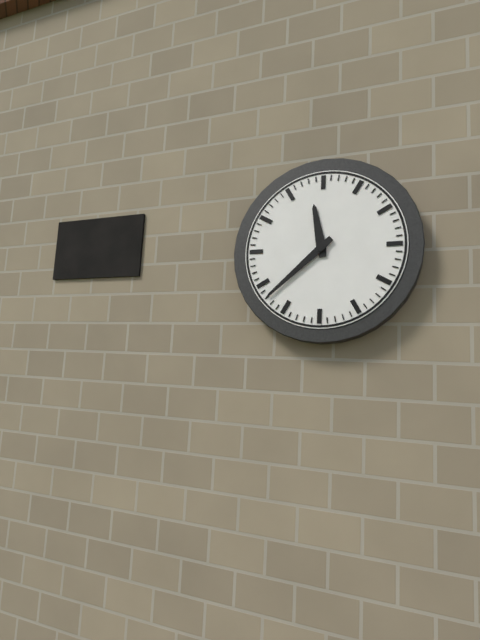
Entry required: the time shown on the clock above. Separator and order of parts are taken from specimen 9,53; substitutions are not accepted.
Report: 11,38
